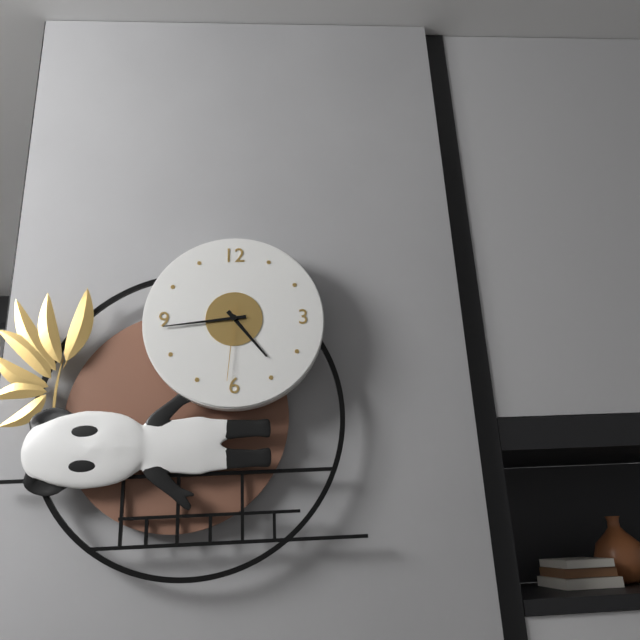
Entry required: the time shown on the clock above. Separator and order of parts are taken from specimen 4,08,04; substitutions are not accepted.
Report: 4,44,31
